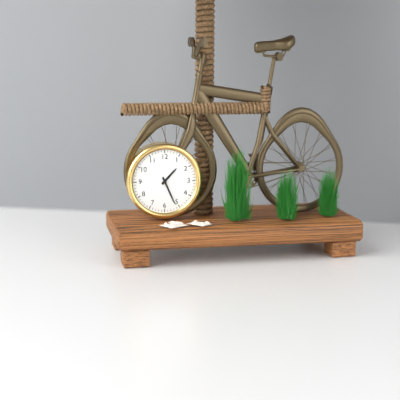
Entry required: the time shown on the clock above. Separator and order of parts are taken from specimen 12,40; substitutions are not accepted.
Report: 1,26
